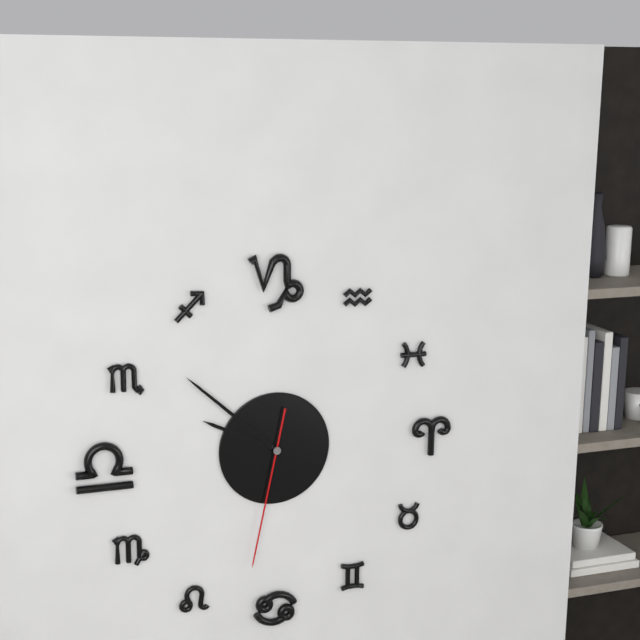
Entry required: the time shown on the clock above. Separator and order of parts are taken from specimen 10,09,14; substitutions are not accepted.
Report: 9,52,32
